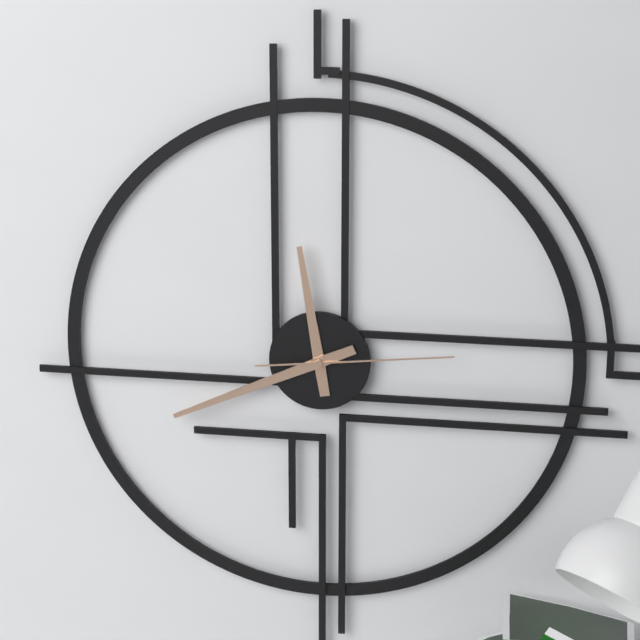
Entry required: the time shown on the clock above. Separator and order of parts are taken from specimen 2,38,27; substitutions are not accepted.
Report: 11,41,14
